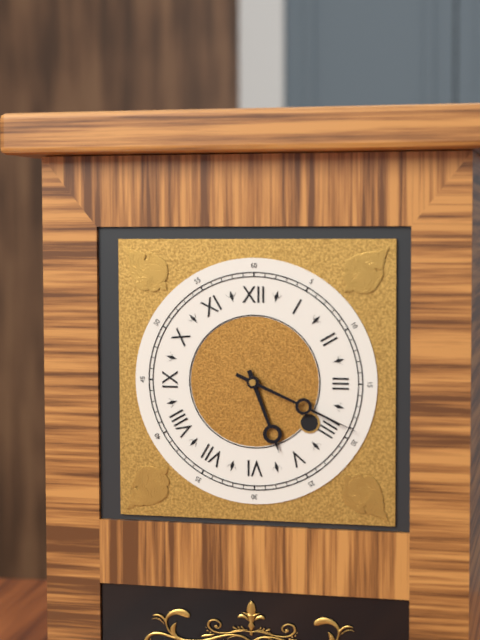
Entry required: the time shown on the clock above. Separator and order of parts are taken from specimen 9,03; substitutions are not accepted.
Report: 5,19
